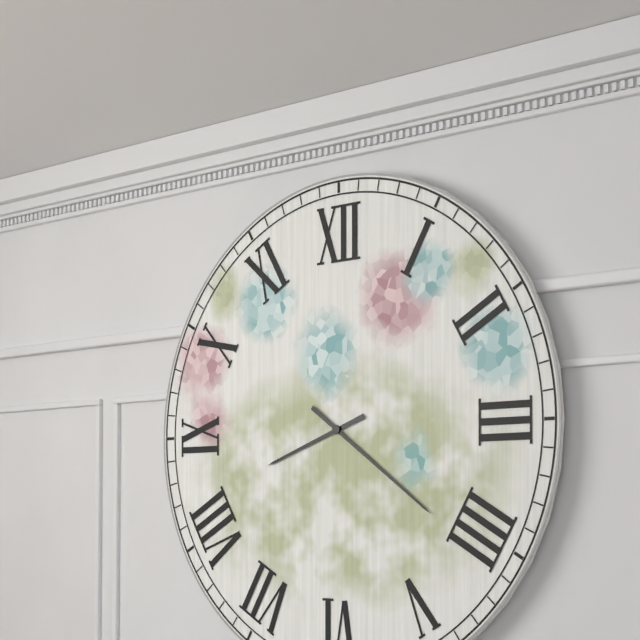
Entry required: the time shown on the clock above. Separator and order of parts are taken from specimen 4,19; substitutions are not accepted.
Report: 8,21
